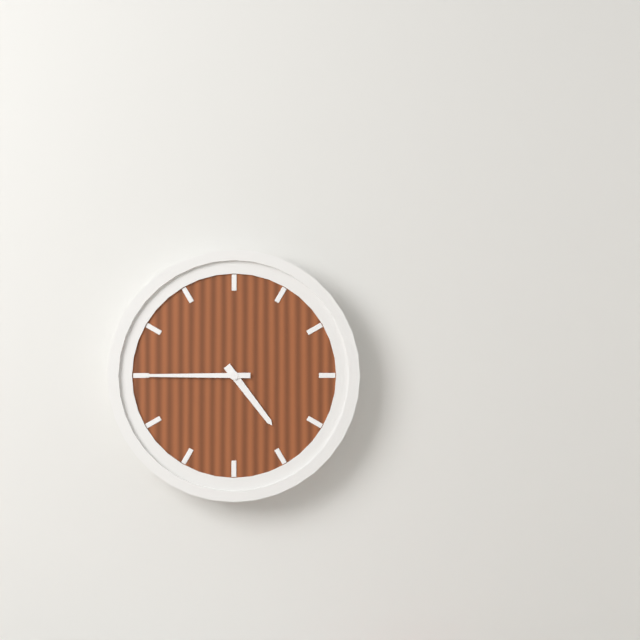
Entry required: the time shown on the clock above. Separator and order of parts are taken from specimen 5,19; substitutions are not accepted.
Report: 4,45
